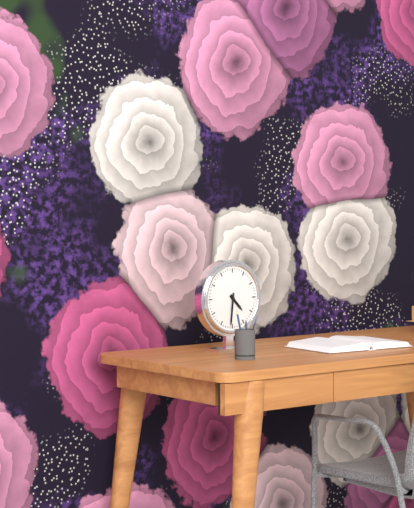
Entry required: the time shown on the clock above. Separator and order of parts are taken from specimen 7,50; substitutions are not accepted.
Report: 4,31
